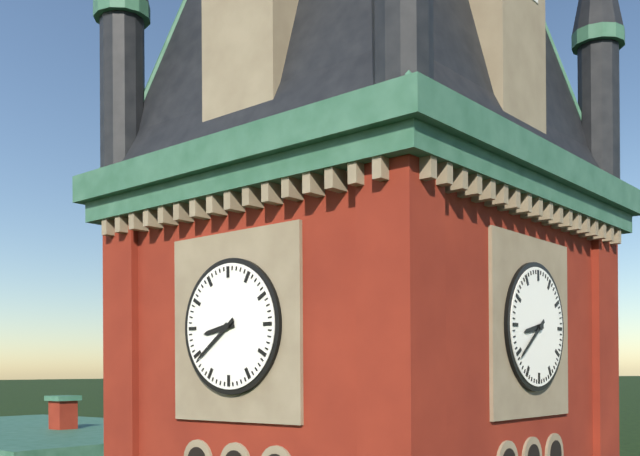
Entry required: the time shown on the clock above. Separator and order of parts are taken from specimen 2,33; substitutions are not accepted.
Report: 8,39
